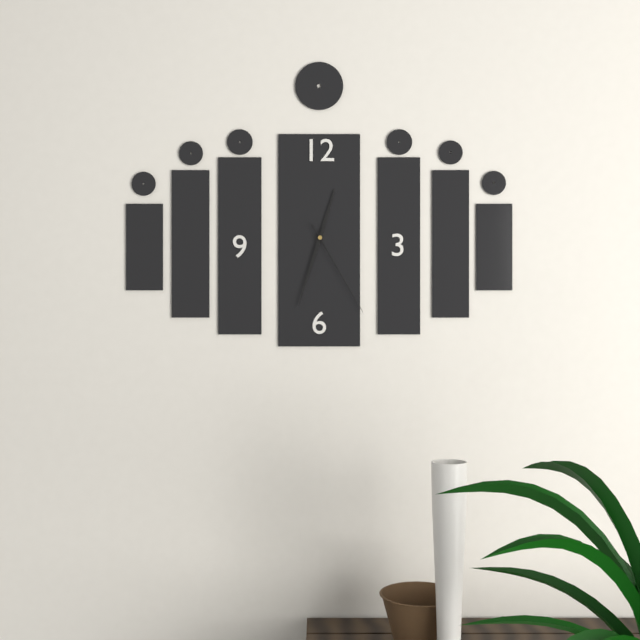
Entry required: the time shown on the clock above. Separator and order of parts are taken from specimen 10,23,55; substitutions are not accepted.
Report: 12,33,25
